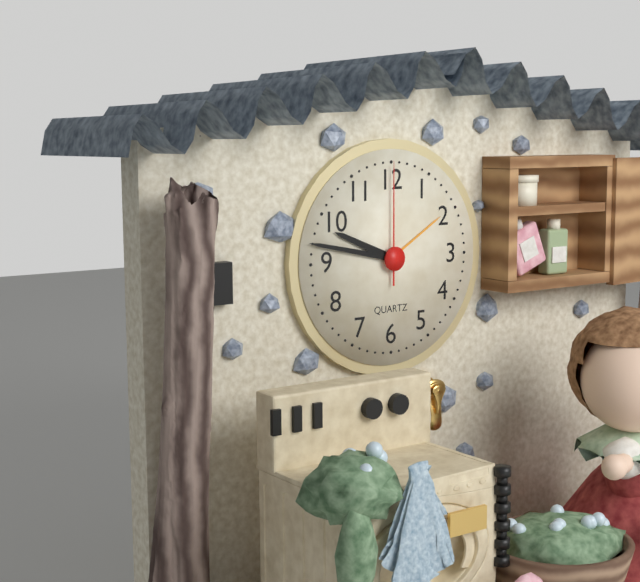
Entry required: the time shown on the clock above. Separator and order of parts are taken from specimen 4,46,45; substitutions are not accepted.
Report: 9,47,00
